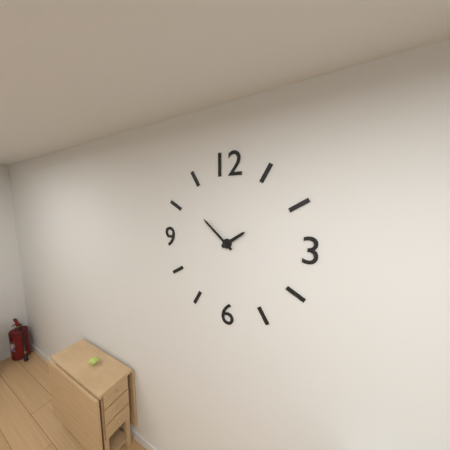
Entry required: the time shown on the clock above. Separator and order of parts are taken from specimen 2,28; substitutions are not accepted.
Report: 1,52
